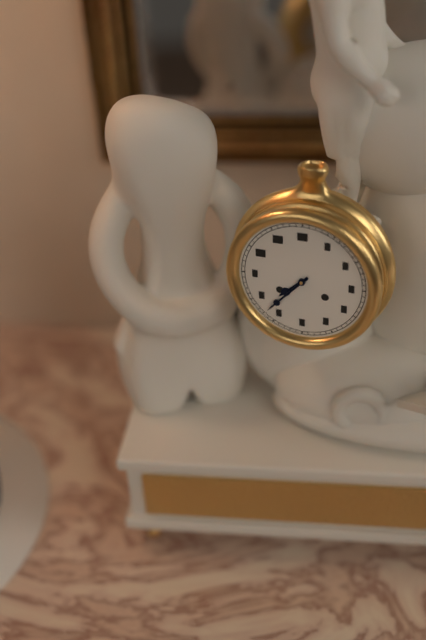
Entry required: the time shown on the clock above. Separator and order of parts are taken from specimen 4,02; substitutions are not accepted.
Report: 7,37
